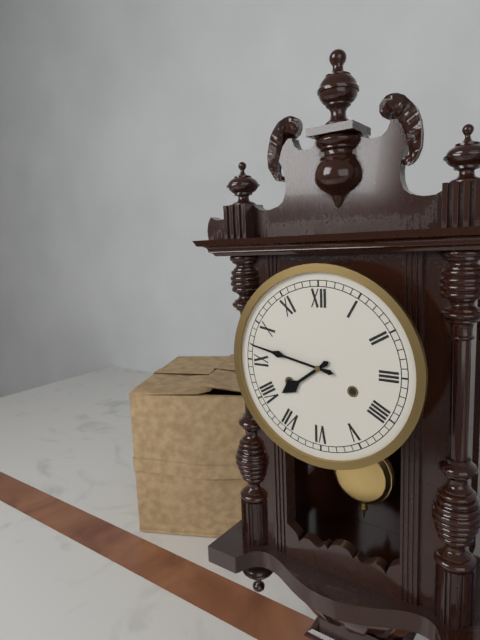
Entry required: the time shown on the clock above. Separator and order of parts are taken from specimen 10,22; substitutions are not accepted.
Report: 7,47
